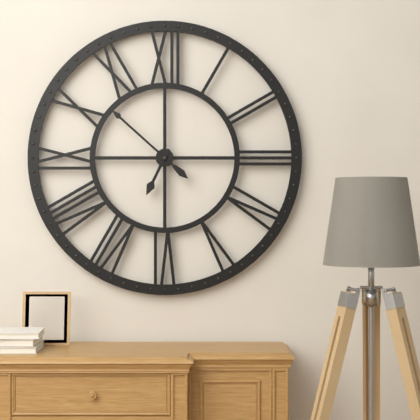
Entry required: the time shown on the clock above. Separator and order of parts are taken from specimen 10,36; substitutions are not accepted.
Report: 6,52
